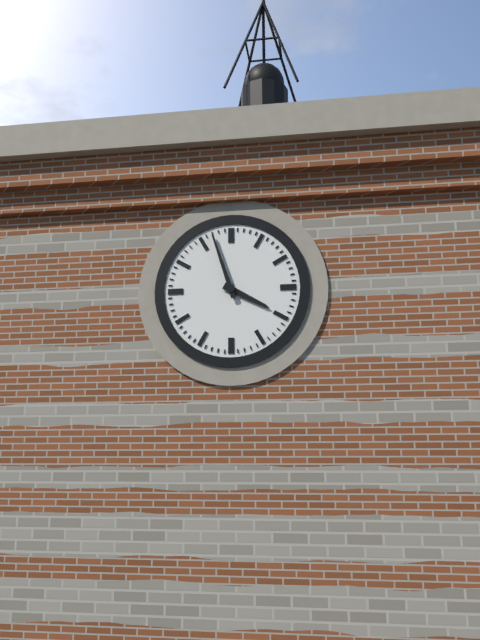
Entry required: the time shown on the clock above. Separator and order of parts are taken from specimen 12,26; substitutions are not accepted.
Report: 3,57
